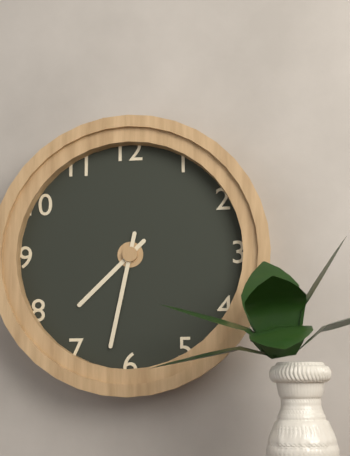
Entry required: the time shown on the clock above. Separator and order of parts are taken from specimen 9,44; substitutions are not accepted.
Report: 7,32
